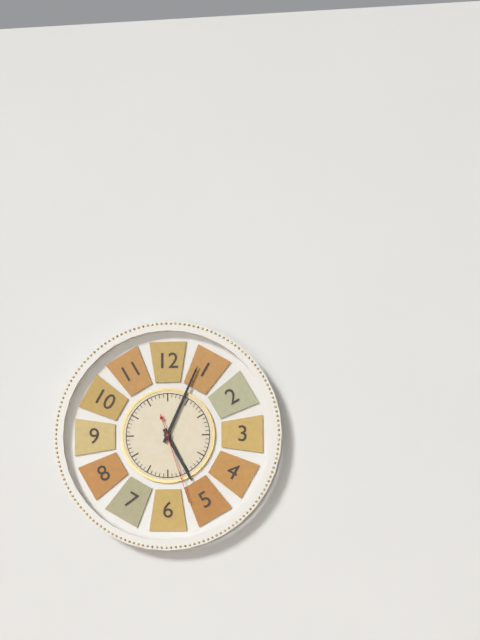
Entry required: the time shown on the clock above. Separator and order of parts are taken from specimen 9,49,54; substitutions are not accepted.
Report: 5,04,27
